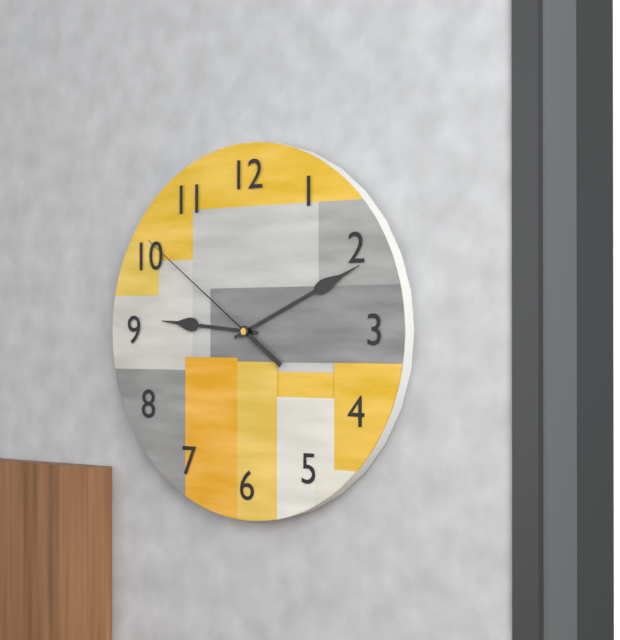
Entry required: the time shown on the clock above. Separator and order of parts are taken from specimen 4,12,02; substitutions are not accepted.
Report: 9,11,51
